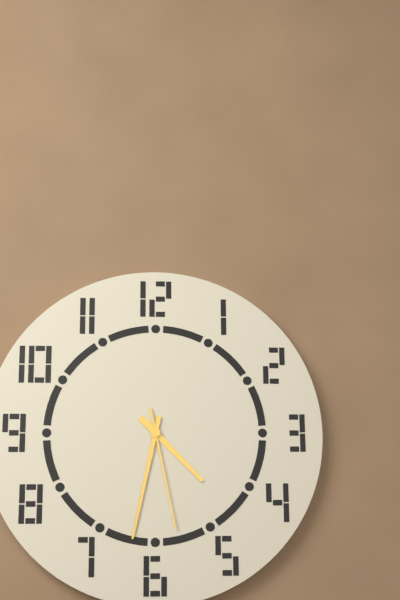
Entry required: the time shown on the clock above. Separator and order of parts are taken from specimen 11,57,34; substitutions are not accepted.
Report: 4,32,28
